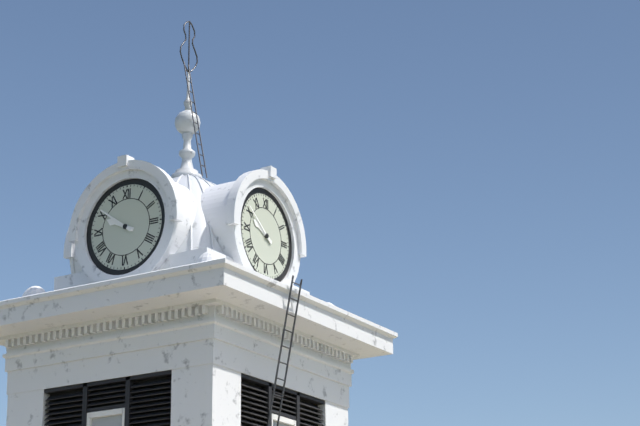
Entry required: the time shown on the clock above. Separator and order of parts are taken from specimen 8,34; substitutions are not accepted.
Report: 9,51
